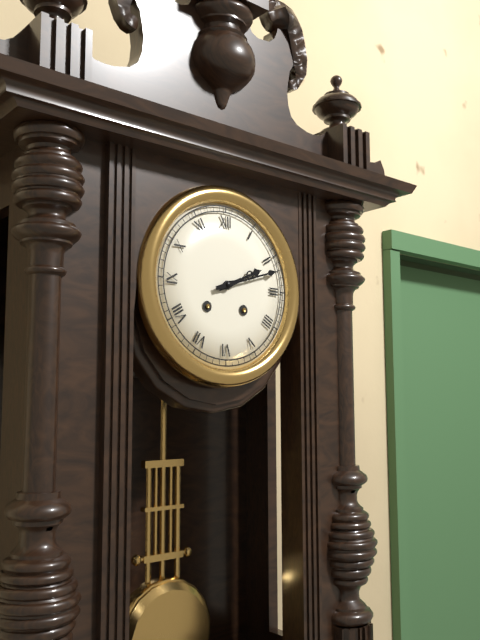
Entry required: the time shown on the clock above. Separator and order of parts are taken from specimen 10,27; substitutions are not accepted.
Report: 2,12
